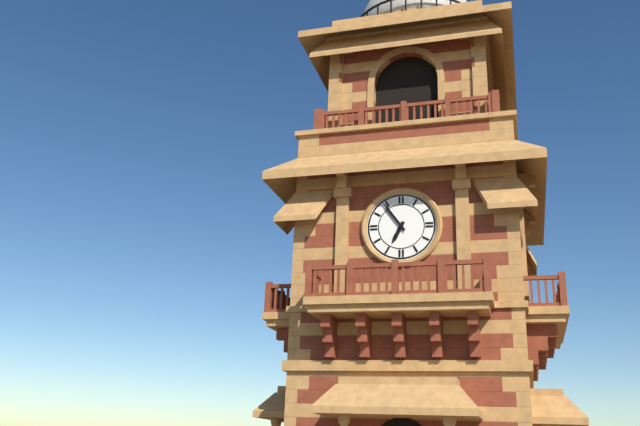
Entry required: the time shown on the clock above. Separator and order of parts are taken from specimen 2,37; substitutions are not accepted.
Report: 6,54
